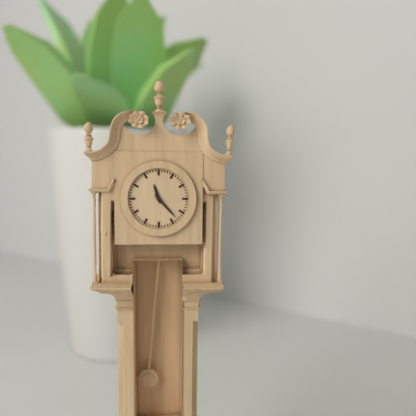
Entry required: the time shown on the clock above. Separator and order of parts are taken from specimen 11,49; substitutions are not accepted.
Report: 11,23
